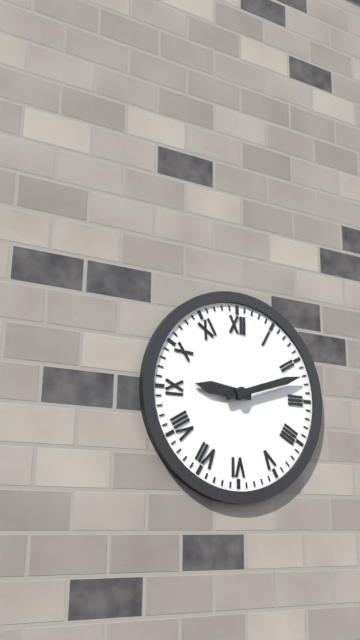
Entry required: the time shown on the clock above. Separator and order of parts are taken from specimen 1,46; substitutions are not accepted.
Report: 9,12
